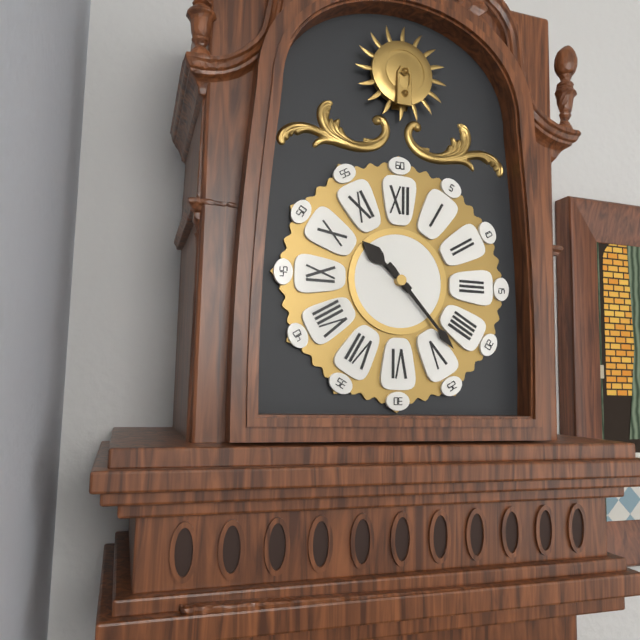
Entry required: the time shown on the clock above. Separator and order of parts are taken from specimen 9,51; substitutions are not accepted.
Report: 10,23
